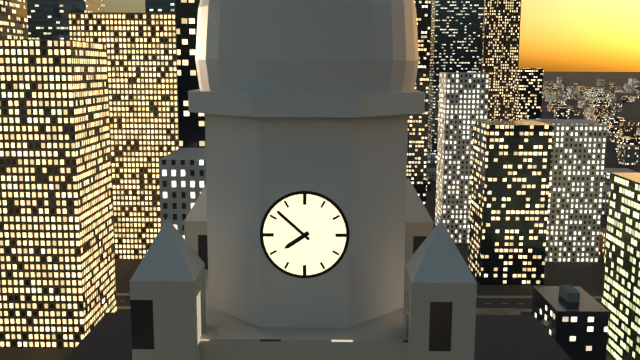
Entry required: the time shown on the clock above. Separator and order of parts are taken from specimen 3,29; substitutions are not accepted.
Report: 7,52
